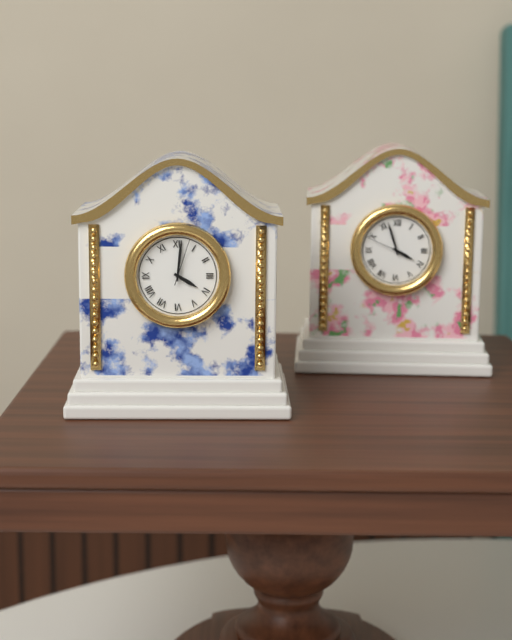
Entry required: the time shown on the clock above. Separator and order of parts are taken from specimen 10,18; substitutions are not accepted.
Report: 4,01
